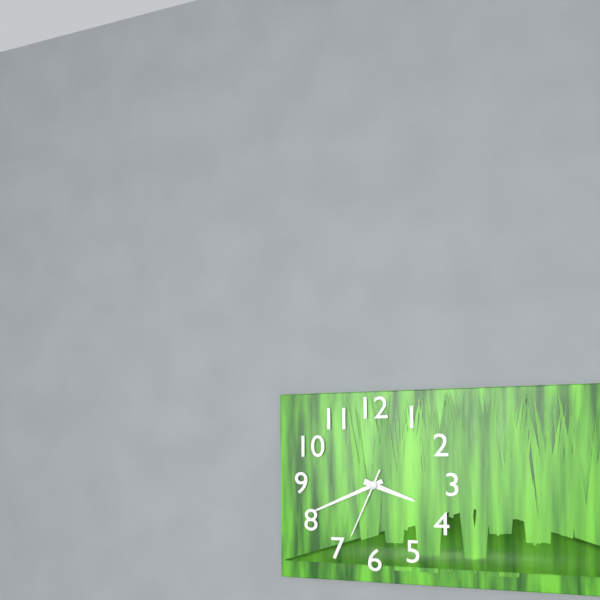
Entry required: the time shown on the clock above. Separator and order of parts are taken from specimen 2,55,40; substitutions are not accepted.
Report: 3,41,34
